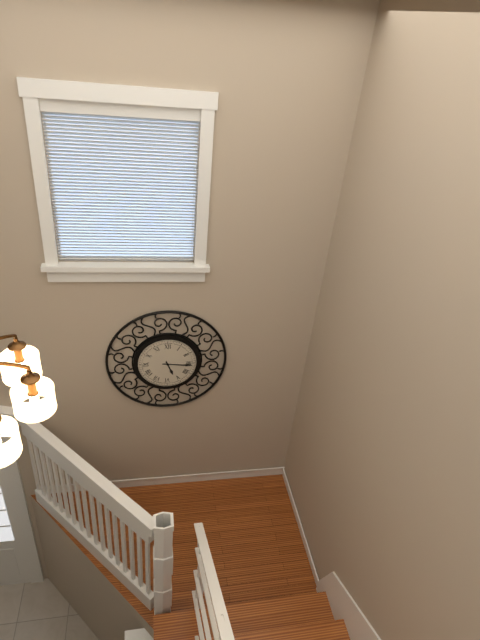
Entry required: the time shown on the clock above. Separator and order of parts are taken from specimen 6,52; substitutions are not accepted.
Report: 5,16
